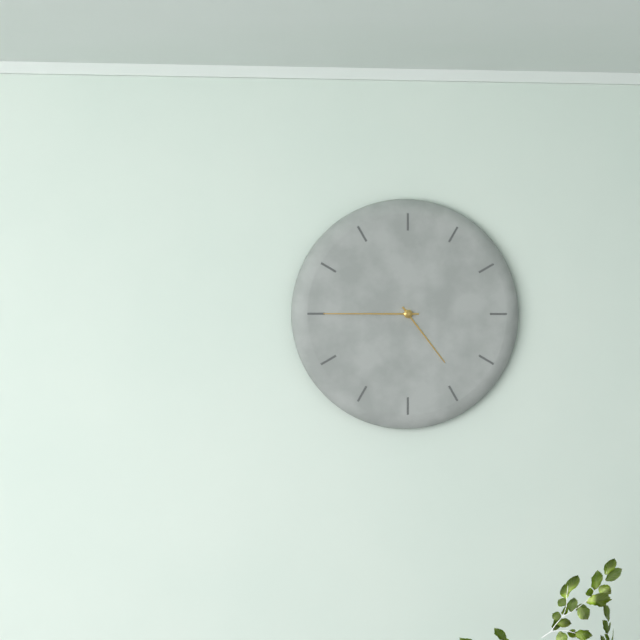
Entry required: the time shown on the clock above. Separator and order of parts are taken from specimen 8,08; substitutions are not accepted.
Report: 4,45
